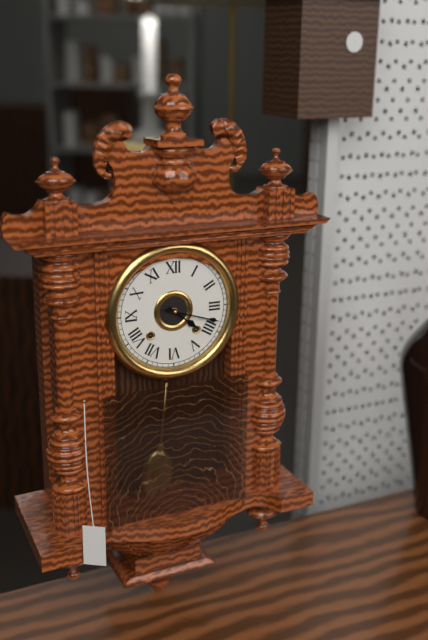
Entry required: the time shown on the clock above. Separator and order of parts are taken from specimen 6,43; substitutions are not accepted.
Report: 4,18
